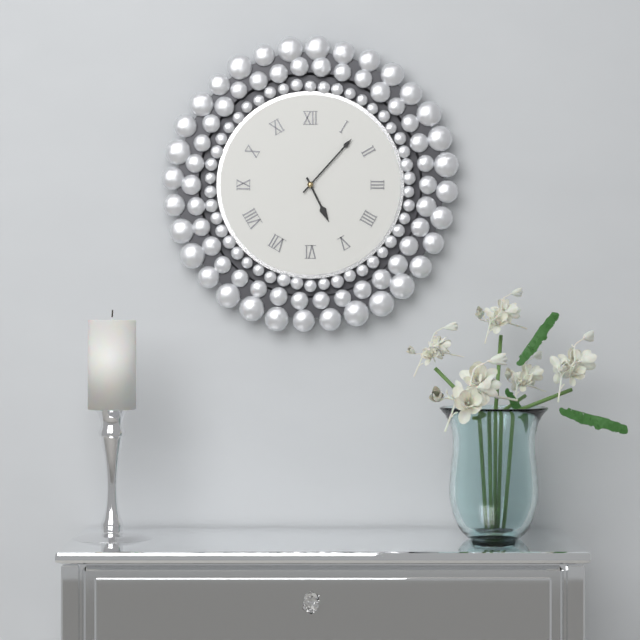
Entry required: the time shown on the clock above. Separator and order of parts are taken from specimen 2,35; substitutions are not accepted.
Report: 5,07
